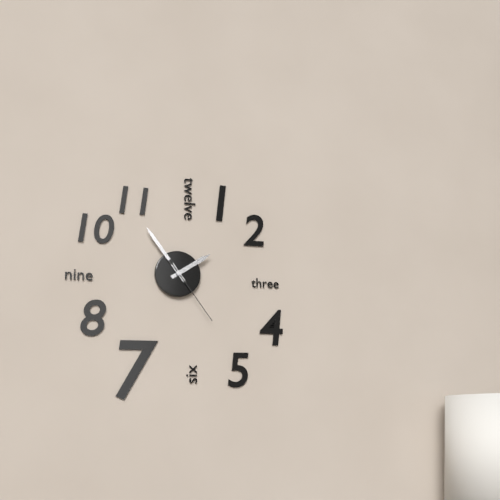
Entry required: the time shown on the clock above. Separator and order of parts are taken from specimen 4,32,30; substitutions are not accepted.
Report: 1,54,24
